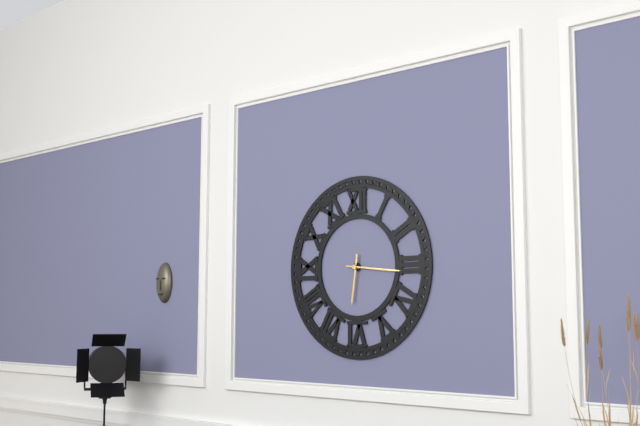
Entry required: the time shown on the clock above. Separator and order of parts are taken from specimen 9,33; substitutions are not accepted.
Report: 6,16
